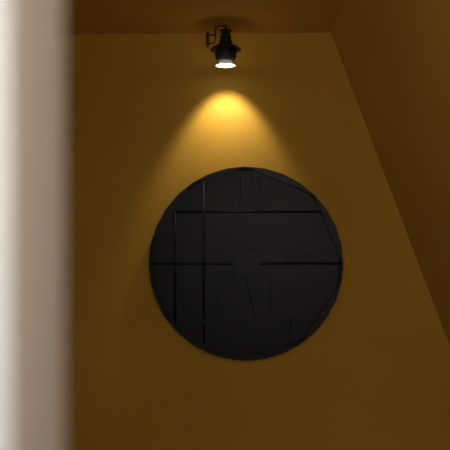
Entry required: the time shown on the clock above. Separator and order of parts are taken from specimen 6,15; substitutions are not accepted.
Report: 5,36
